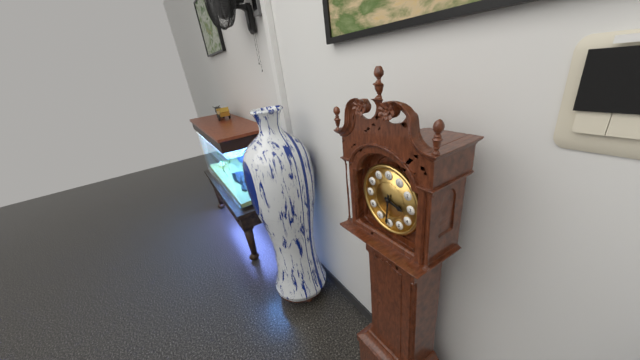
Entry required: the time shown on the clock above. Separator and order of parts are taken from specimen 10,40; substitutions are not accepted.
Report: 3,31
